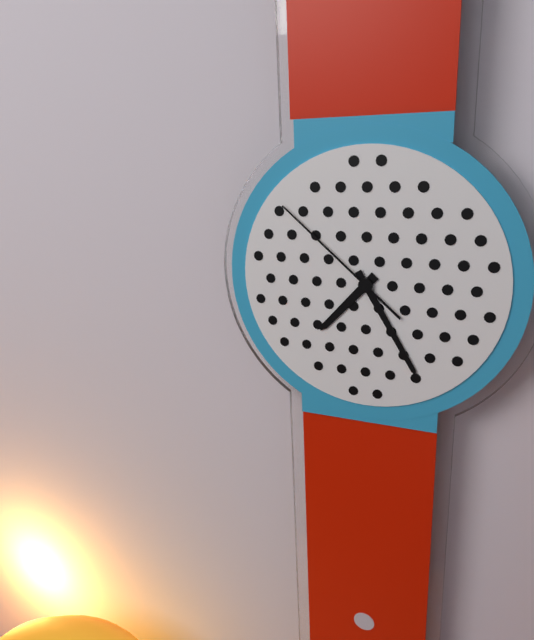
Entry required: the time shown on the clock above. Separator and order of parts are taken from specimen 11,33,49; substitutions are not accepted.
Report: 7,25,52
